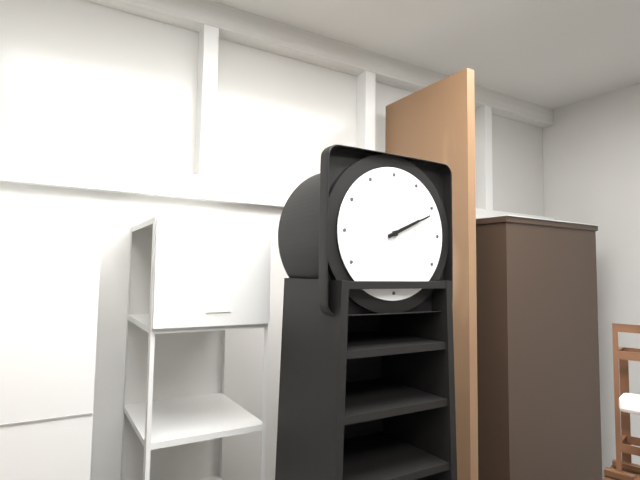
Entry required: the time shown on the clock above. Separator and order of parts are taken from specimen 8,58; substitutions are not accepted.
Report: 2,11
